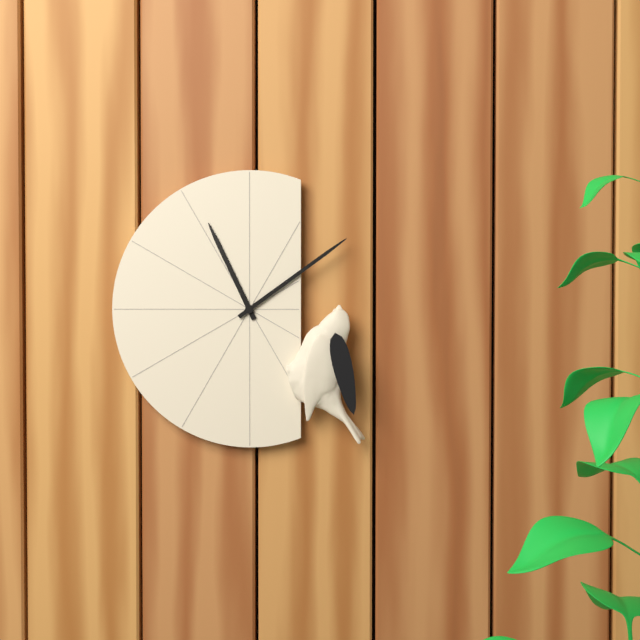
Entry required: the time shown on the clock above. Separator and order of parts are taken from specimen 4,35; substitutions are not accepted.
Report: 11,09
